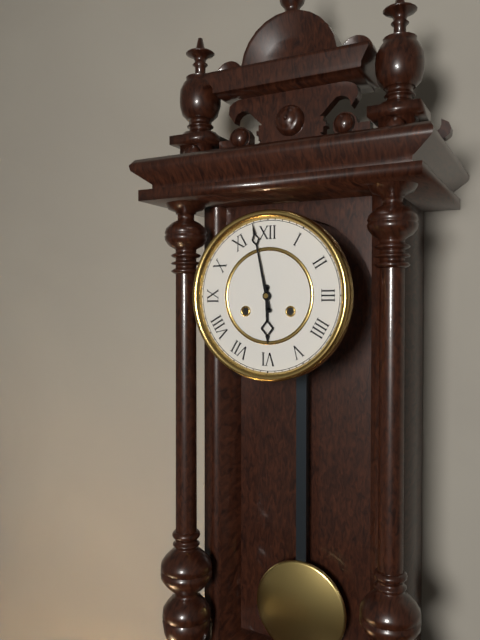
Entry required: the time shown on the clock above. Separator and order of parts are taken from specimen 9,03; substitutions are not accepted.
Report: 5,58
